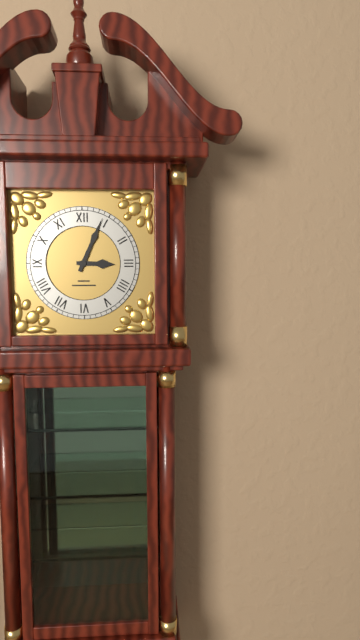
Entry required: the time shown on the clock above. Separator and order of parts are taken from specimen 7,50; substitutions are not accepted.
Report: 3,04
